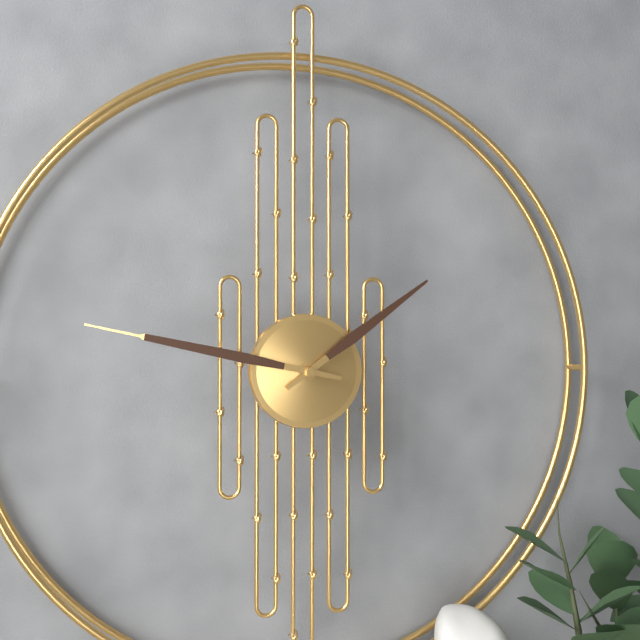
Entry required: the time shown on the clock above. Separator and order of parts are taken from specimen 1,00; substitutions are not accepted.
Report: 1,47
